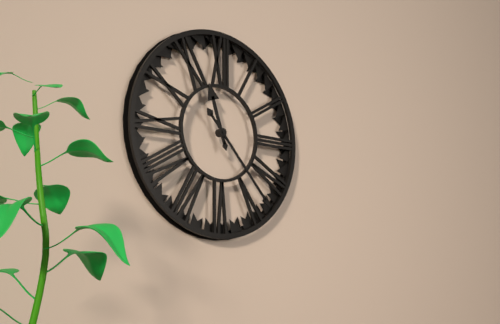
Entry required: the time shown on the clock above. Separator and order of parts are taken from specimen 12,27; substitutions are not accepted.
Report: 11,23
